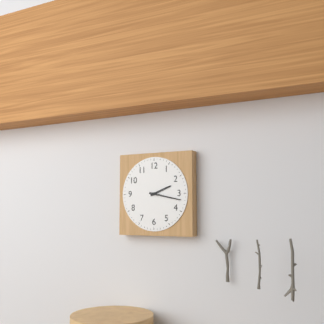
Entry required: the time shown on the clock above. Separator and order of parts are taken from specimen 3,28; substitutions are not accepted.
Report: 2,17
